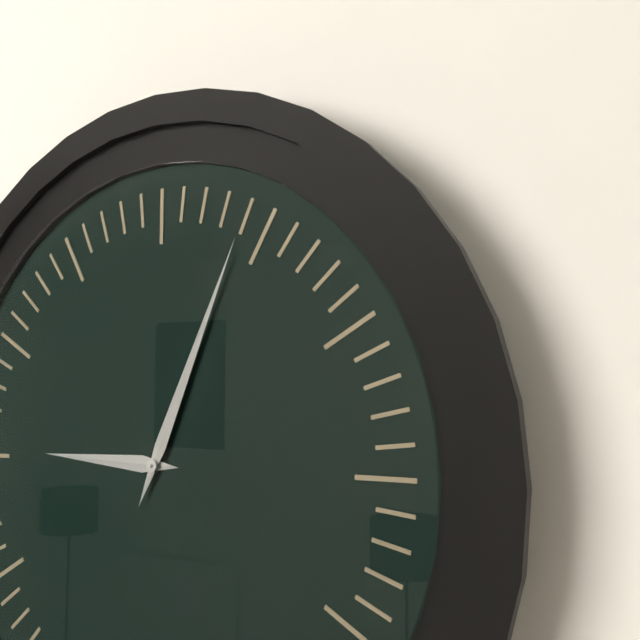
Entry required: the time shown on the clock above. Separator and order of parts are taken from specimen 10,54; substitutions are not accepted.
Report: 9,04
